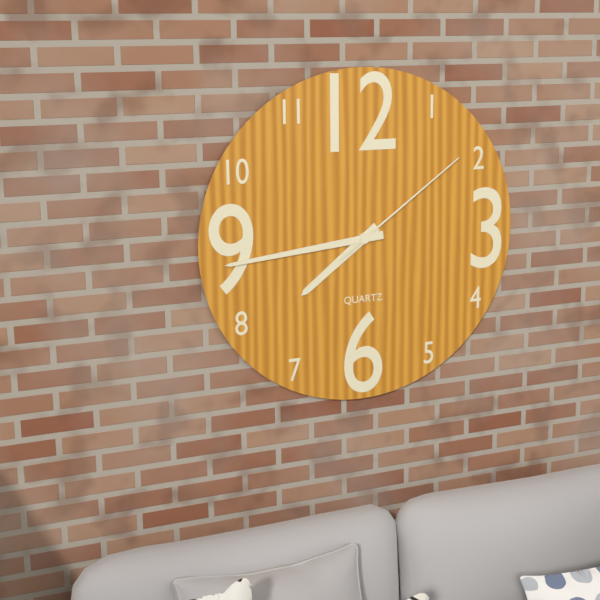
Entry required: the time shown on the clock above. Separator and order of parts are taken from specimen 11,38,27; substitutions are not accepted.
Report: 7,44,09
